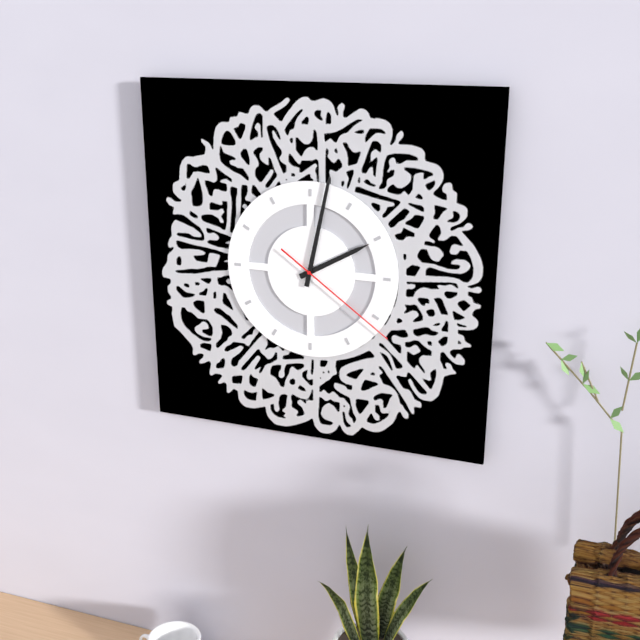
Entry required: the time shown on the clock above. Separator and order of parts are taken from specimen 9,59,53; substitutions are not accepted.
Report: 2,02,21
